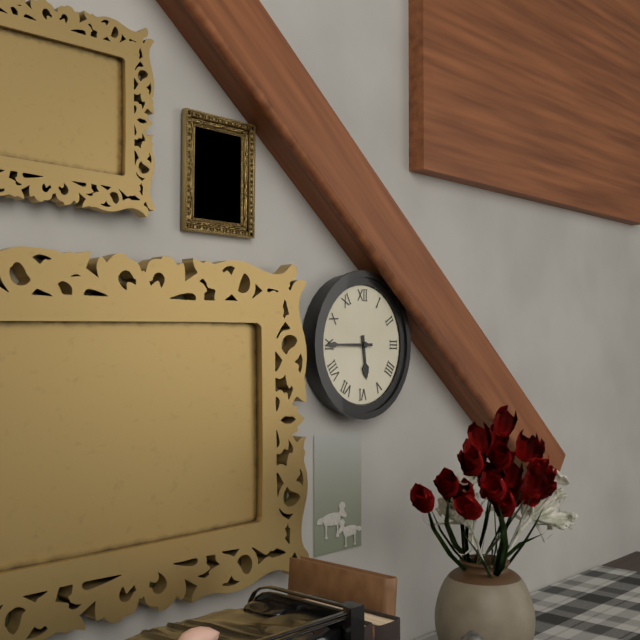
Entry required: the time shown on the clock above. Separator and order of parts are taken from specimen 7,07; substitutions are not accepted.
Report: 5,45
